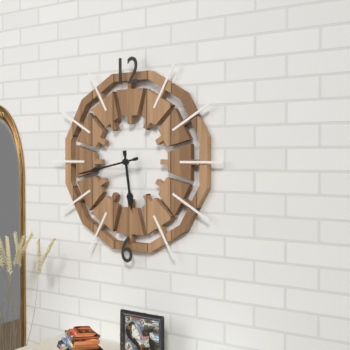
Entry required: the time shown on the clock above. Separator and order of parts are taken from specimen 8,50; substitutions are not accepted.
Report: 5,43
